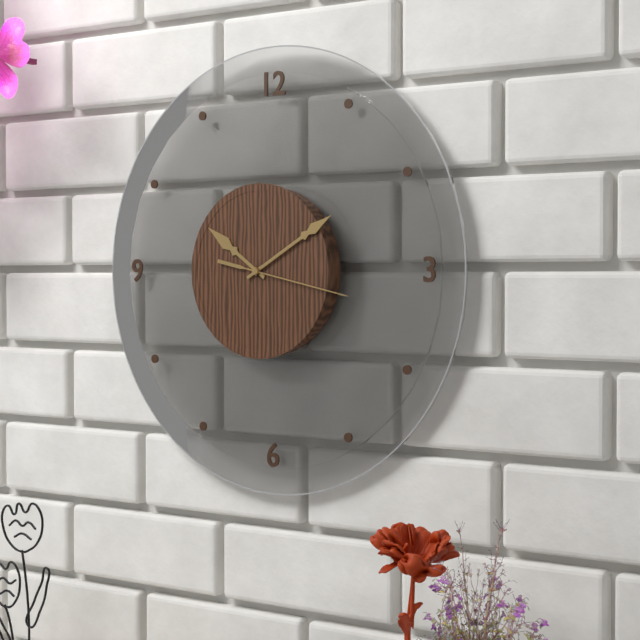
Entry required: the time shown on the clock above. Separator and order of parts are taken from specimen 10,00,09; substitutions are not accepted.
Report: 10,10,17
